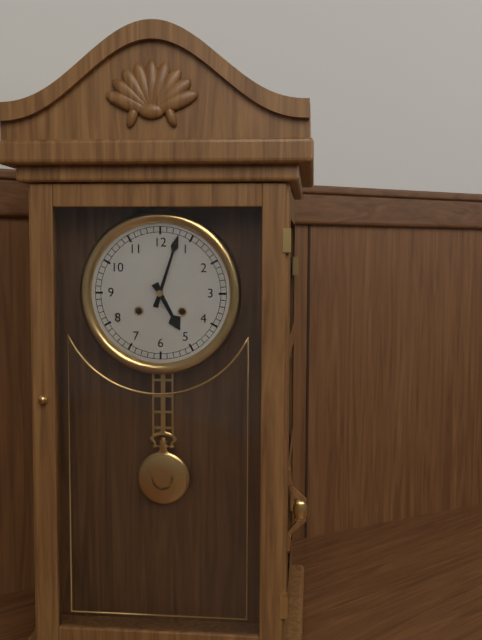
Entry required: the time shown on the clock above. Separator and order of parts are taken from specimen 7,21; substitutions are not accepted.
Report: 5,03
